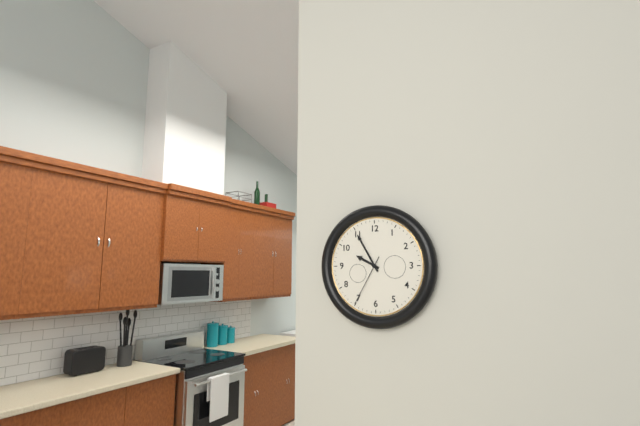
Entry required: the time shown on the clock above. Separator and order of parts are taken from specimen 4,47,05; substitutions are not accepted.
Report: 9,55,35
